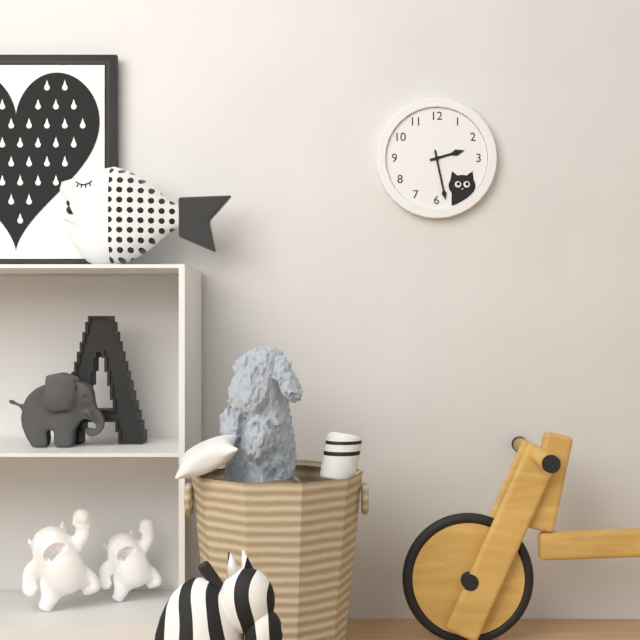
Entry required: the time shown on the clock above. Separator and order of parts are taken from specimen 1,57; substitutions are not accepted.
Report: 2,28
